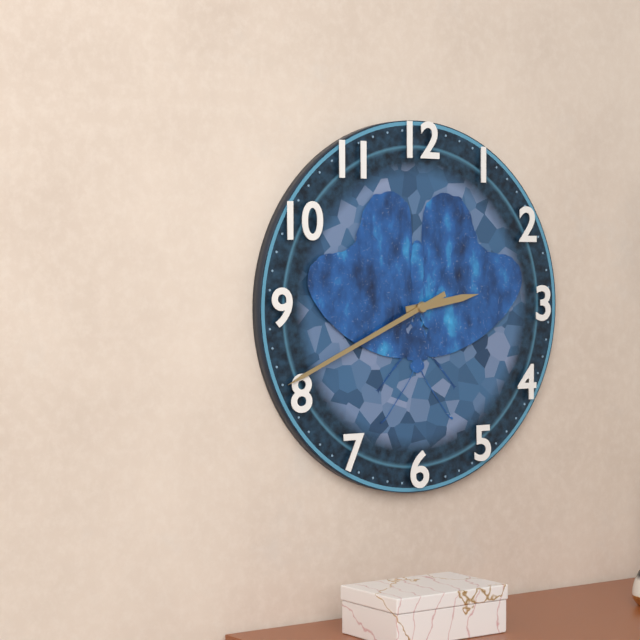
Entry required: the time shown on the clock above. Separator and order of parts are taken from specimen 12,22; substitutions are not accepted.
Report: 2,41
